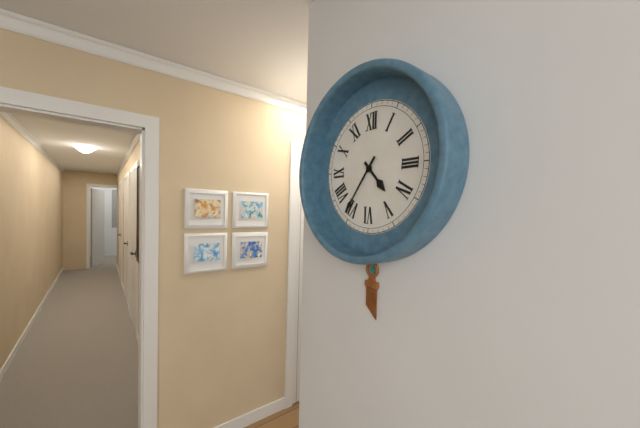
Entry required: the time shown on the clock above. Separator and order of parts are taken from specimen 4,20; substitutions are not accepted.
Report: 4,36
